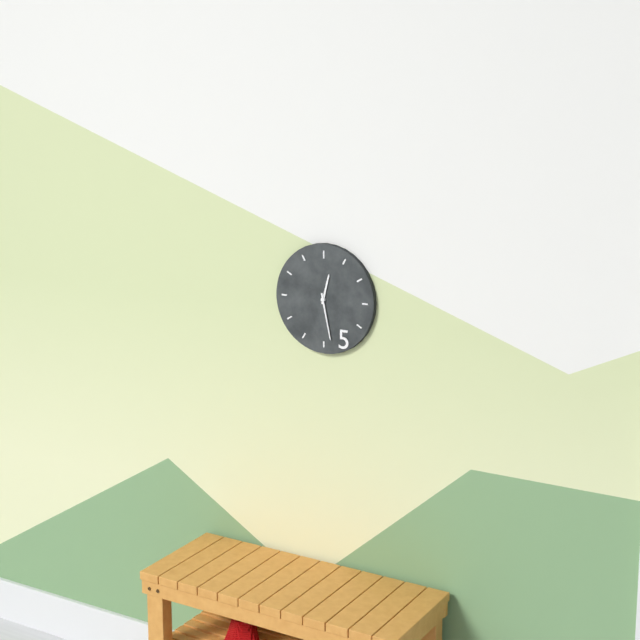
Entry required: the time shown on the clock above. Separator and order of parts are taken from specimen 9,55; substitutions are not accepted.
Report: 12,28
